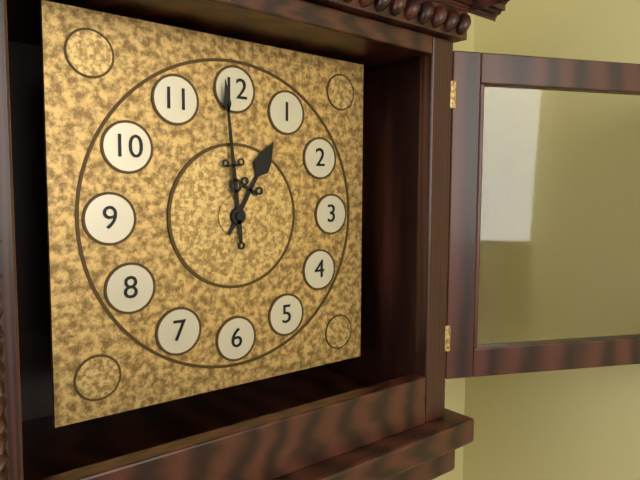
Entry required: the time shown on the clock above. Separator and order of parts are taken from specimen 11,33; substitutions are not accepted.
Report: 12,59
